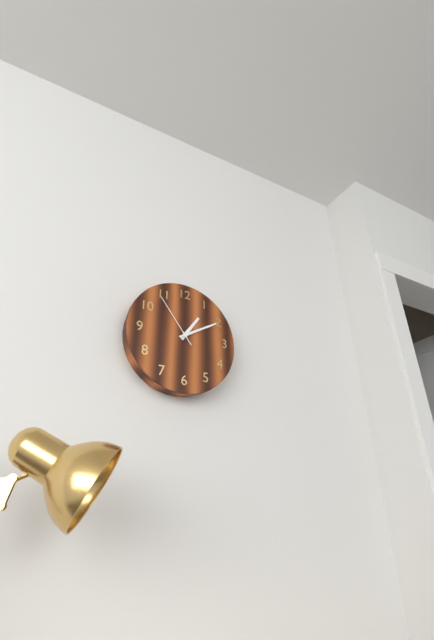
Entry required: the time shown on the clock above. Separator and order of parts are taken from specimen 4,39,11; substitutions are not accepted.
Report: 1,10,54
